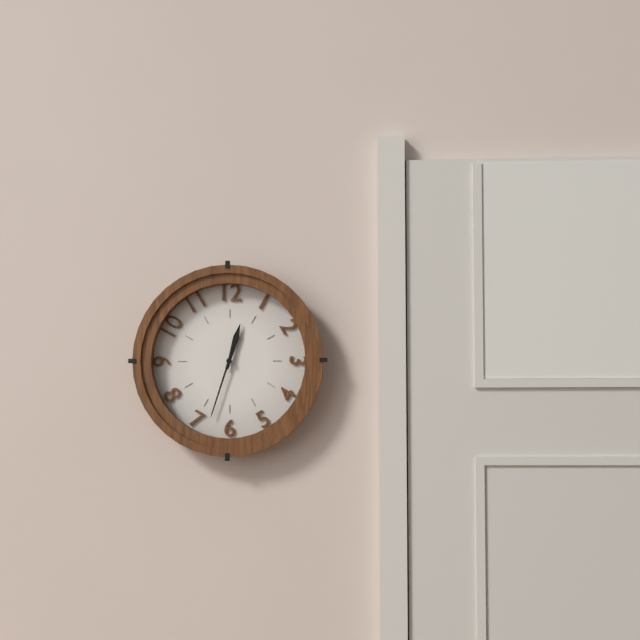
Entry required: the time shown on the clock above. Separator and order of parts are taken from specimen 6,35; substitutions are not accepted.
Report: 12,33
